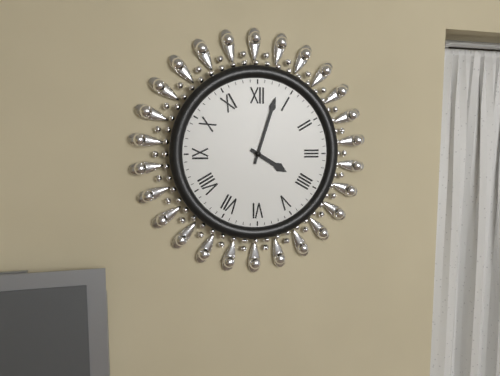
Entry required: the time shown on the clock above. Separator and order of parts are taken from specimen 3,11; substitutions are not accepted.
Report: 4,03
